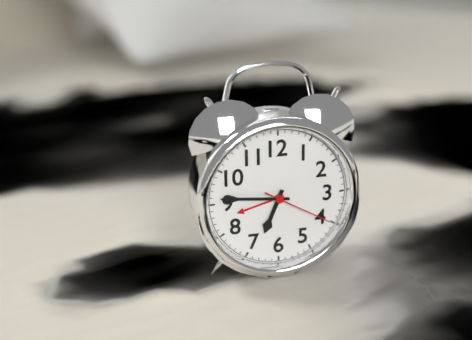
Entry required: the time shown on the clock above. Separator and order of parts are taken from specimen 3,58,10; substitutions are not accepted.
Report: 6,46,20
